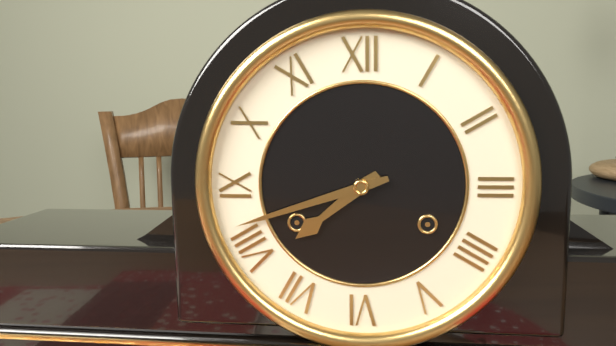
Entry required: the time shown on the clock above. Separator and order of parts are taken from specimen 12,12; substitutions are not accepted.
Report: 7,42
